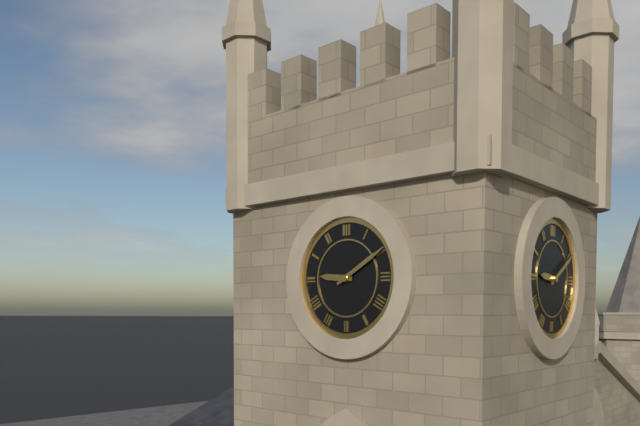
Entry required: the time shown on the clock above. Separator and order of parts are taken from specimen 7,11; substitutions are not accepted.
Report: 9,10
